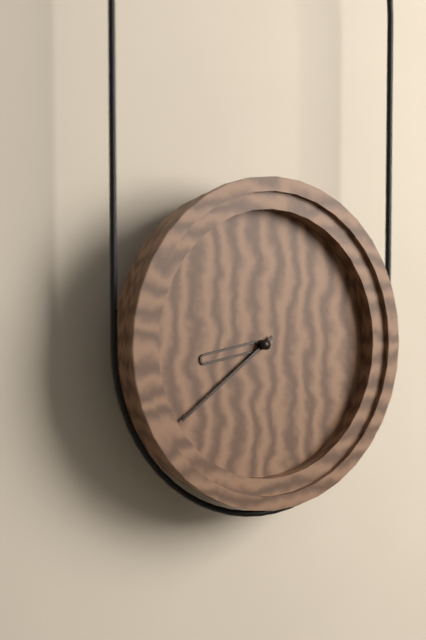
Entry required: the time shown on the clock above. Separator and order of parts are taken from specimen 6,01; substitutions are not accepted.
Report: 8,39
